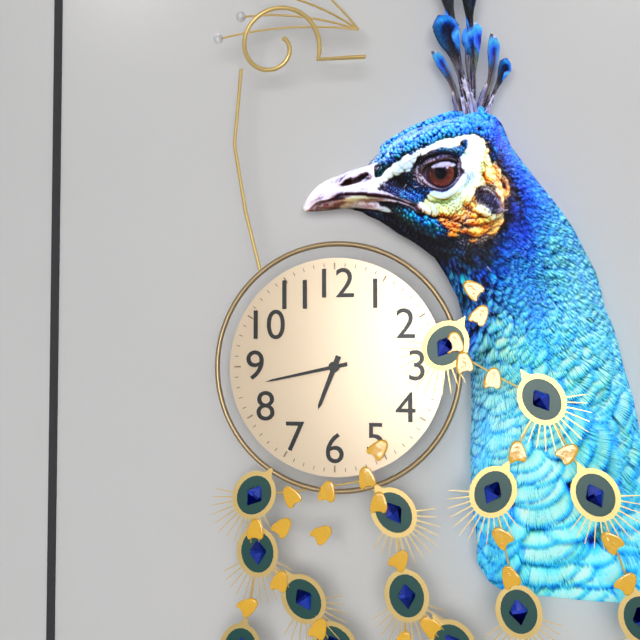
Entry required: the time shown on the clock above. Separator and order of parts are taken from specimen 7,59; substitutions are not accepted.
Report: 6,43
